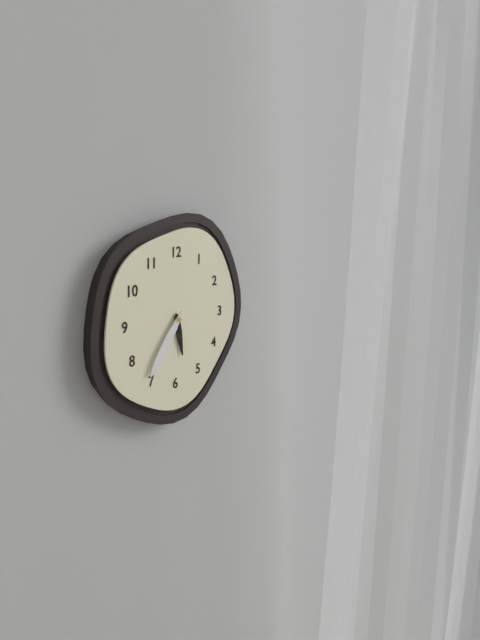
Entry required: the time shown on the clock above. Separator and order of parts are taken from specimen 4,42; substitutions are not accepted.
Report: 5,36
